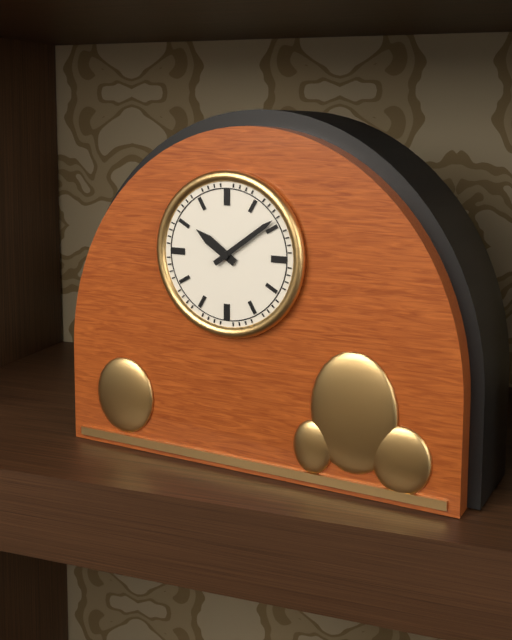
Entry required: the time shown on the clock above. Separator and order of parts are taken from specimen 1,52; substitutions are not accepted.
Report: 10,09
